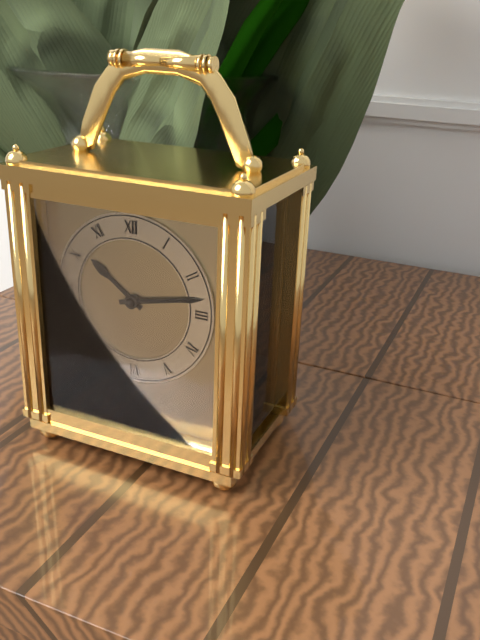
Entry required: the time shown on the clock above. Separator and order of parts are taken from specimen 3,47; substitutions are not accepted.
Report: 10,13
